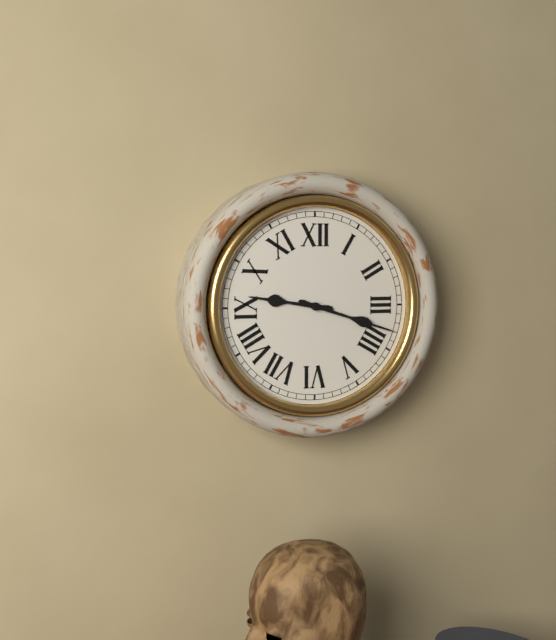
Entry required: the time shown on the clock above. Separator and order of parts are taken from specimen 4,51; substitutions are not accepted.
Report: 9,18
